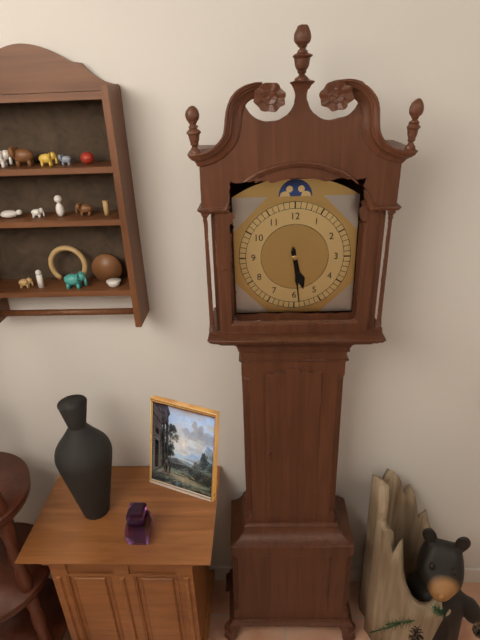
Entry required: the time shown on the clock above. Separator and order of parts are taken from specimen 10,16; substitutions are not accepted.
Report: 5,29
